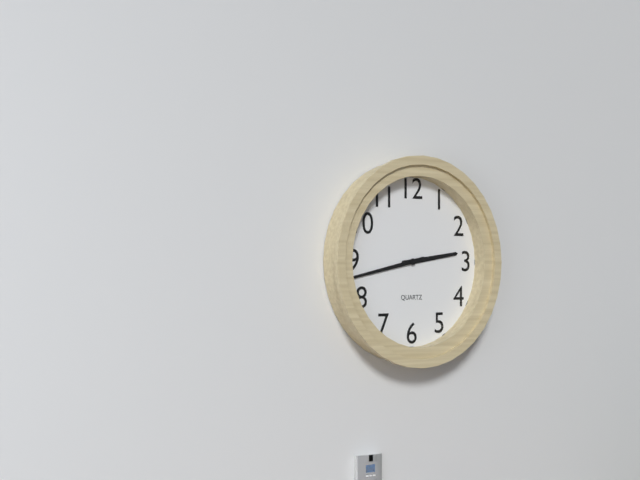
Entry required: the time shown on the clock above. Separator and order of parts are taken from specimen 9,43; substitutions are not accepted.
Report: 2,43
